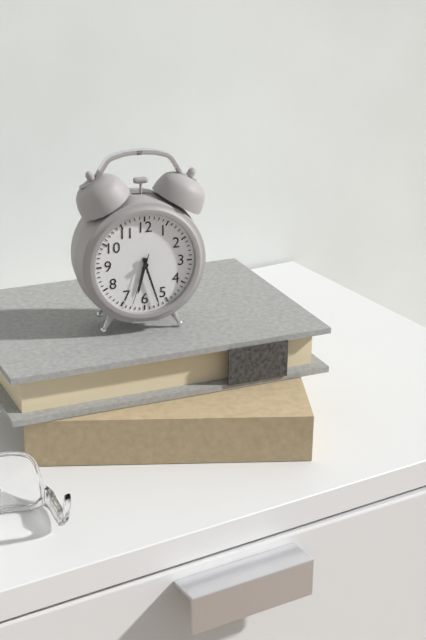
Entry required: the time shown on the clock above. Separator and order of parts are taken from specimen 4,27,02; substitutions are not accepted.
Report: 6,27,33
